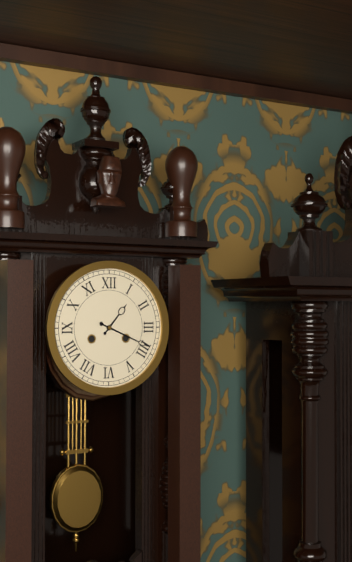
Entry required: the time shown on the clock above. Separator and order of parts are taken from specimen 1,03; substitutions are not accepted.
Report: 1,19
